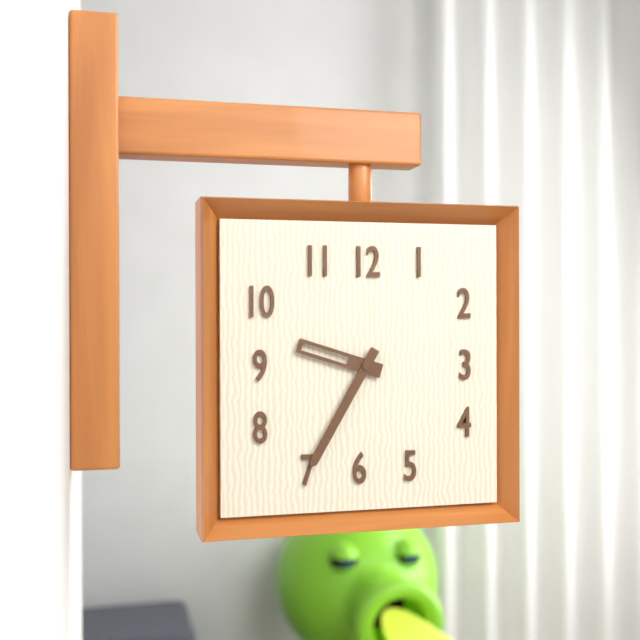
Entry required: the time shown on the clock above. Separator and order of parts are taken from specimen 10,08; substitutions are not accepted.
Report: 9,35
